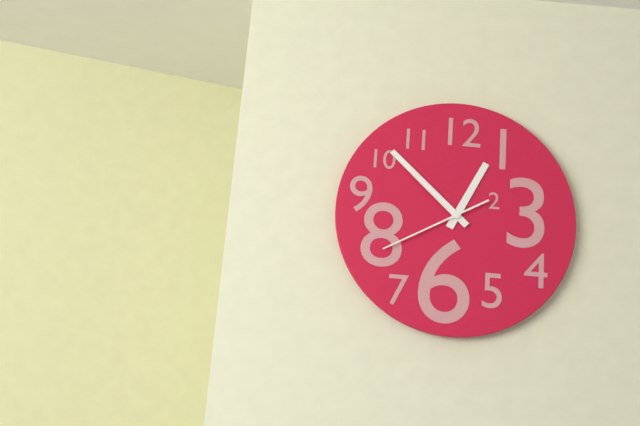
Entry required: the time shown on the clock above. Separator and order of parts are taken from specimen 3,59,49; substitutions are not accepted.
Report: 12,52,40
